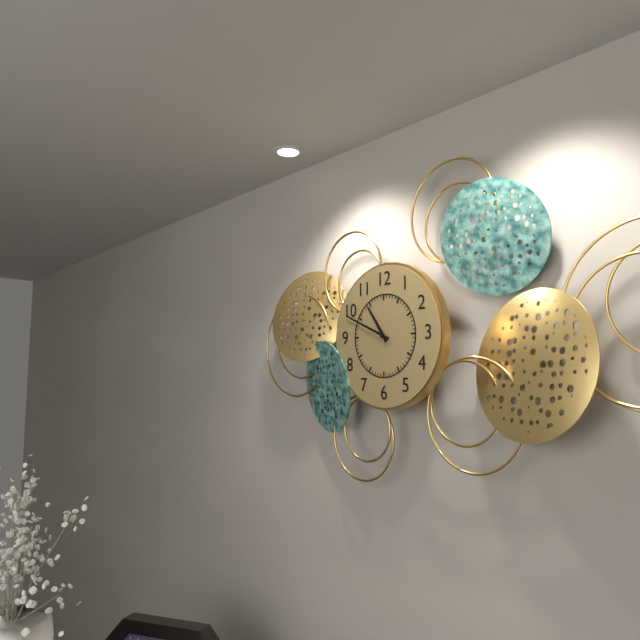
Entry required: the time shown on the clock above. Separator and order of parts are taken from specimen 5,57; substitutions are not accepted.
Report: 10,49
